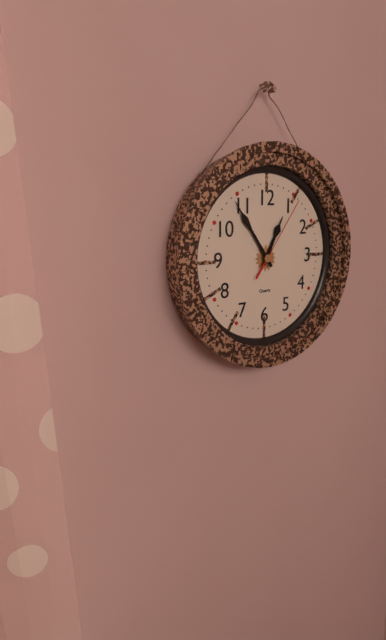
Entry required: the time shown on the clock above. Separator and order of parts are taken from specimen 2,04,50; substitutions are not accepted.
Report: 12,54,06
